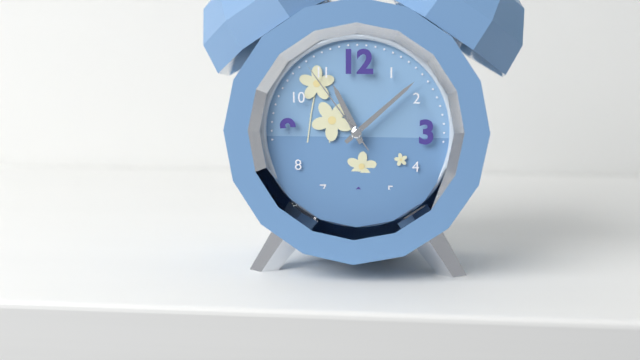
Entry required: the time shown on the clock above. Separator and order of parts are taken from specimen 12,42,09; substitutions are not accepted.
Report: 11,08,54
